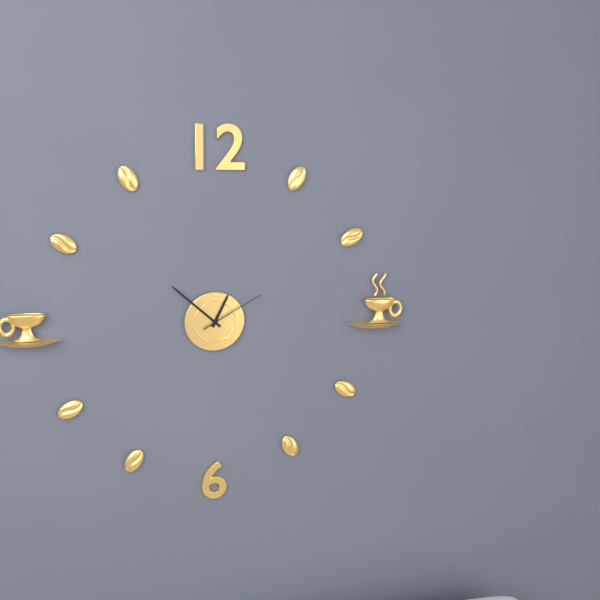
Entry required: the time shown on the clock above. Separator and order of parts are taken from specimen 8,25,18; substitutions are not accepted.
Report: 12,52,10
